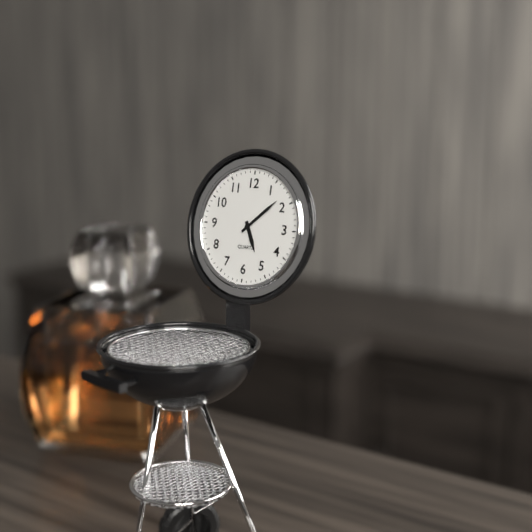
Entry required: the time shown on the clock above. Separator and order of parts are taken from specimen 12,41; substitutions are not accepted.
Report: 5,08
